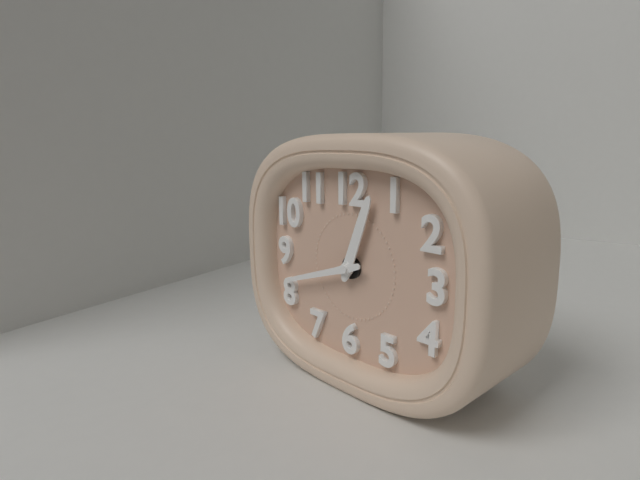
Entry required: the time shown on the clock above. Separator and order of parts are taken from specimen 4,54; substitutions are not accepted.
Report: 12,42
